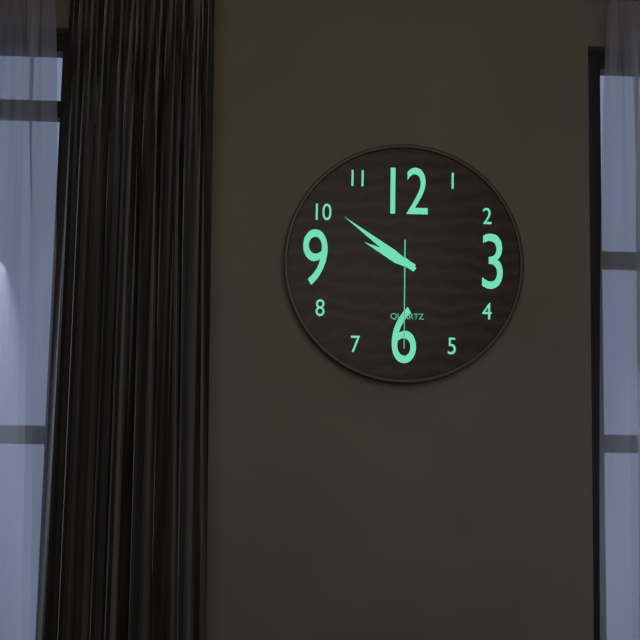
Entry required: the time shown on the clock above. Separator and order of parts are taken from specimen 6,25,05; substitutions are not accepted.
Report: 9,51,30
